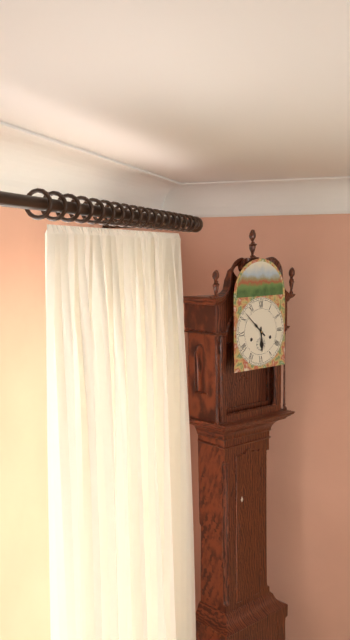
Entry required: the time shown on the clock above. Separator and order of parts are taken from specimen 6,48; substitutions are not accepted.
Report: 5,52
